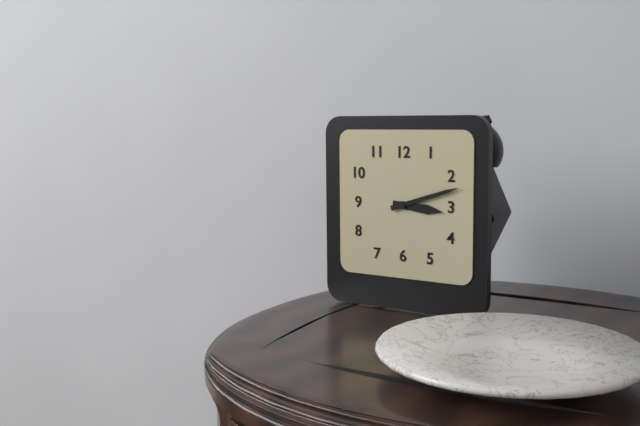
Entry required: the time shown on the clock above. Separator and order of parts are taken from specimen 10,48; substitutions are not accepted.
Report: 3,12
